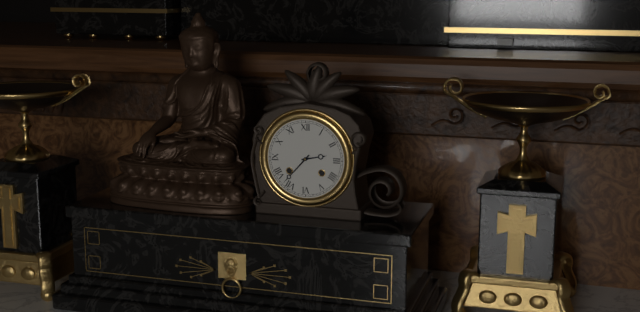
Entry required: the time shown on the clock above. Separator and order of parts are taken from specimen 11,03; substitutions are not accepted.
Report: 2,37
